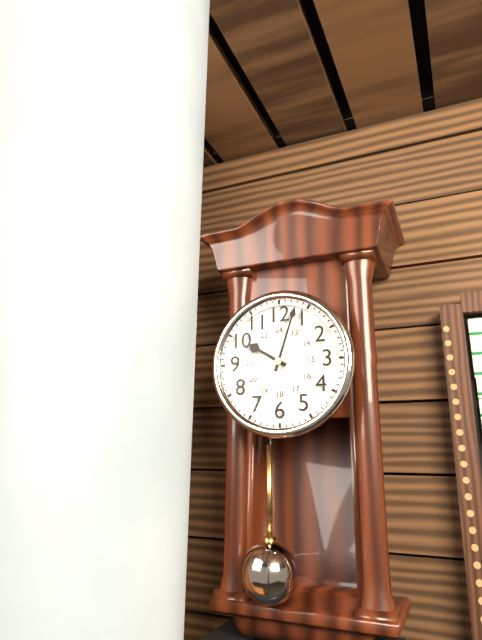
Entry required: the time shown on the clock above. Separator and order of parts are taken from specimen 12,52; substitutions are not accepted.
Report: 10,03
